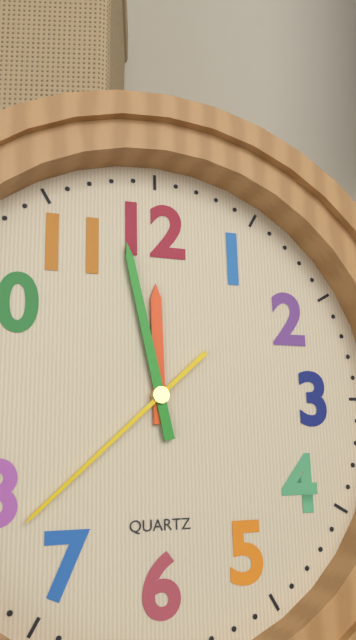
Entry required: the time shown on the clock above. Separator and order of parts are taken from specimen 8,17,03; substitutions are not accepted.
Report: 11,58,38
